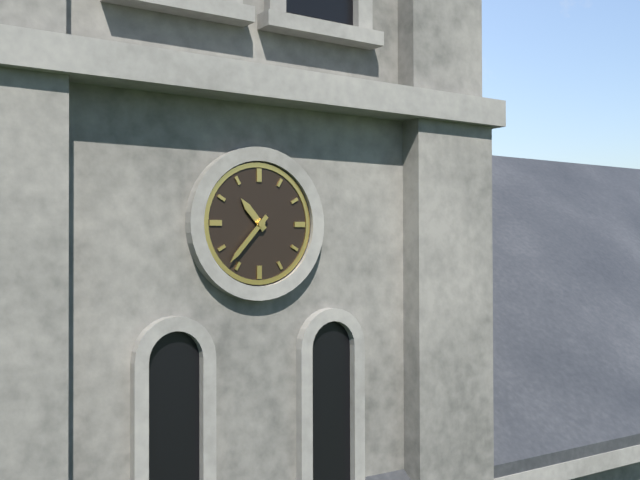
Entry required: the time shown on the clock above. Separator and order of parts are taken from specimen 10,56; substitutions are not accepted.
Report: 10,37
